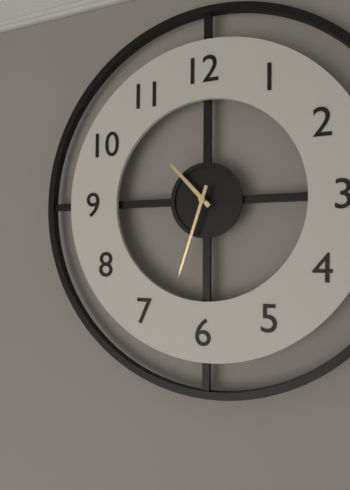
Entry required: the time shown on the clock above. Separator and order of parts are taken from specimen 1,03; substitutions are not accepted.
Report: 10,33
